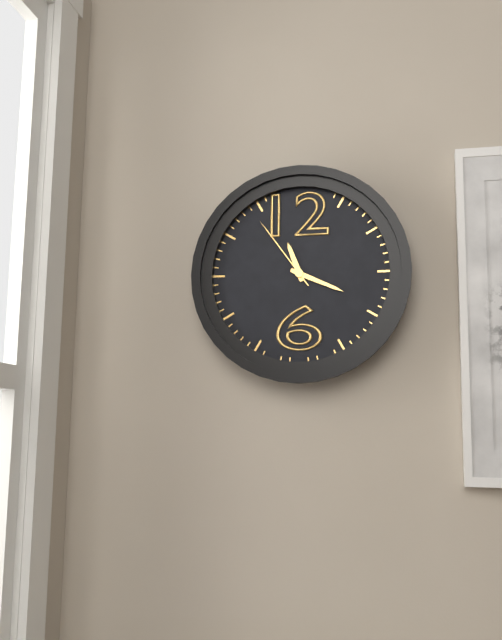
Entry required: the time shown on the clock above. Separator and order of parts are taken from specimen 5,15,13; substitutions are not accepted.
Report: 11,19,54
